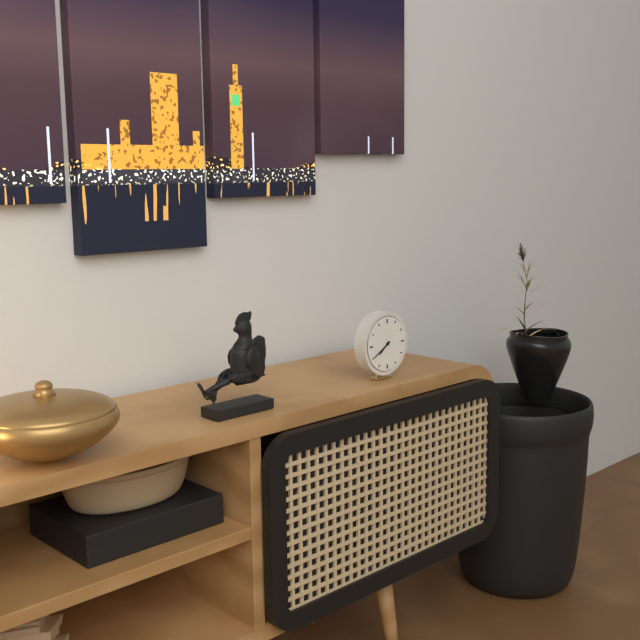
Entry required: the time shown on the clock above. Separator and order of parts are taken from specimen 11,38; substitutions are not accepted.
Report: 7,40
